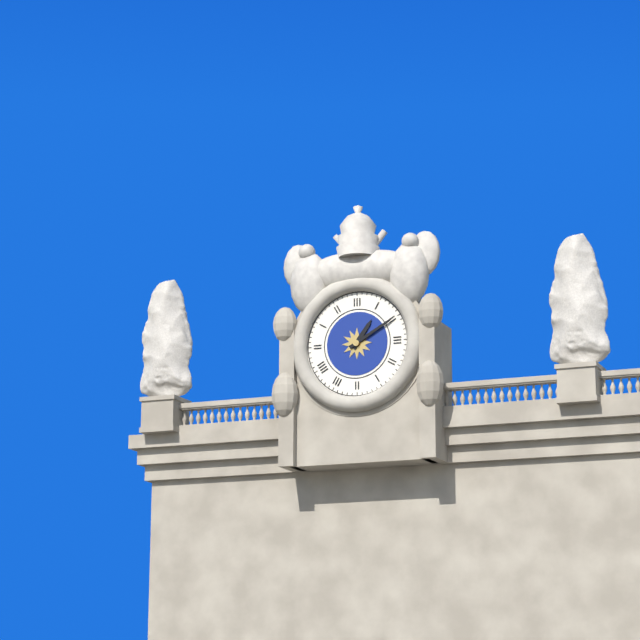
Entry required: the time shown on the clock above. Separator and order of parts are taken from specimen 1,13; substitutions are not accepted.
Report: 1,10
